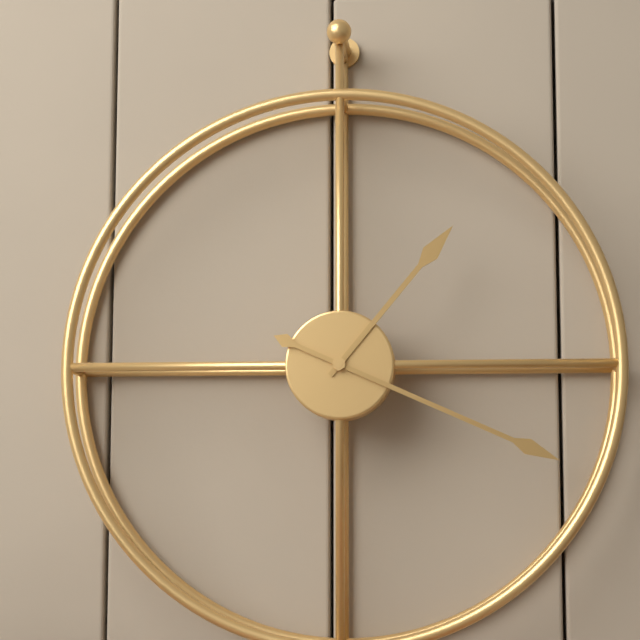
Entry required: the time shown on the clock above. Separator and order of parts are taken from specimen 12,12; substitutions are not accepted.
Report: 1,19
